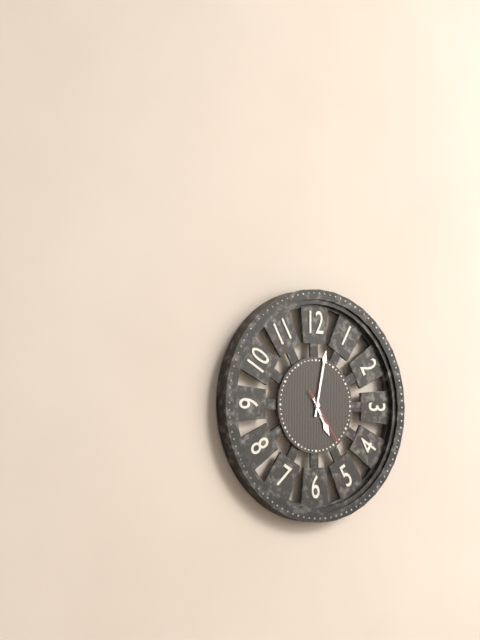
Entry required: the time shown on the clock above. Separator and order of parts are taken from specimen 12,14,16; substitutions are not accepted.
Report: 5,02,24
